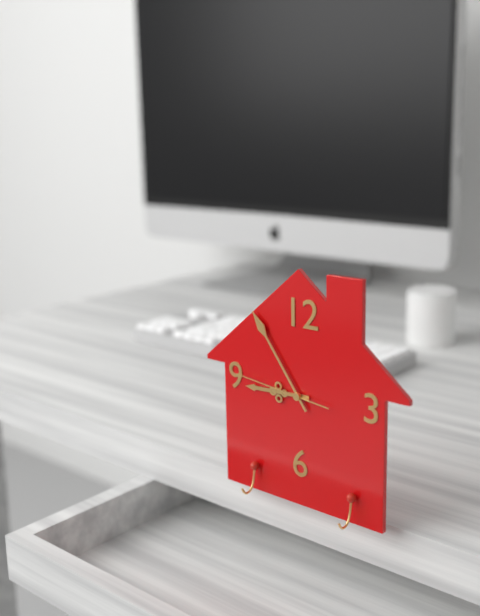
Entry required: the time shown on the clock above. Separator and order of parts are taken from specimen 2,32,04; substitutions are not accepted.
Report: 8,54,46
